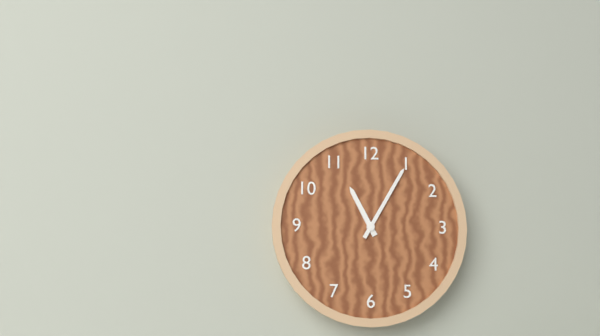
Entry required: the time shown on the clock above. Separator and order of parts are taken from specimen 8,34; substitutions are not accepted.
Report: 11,05
